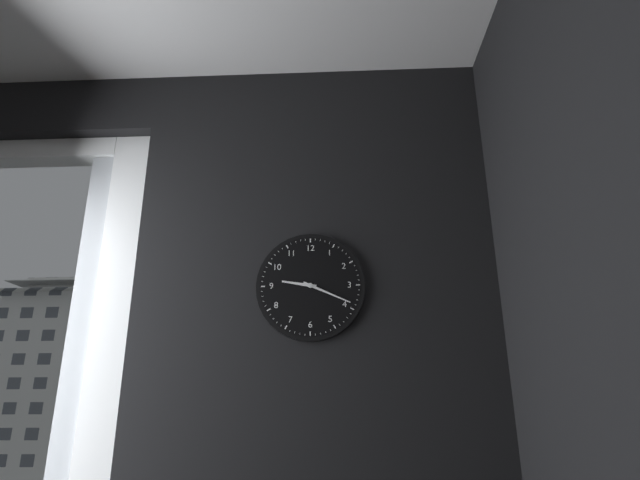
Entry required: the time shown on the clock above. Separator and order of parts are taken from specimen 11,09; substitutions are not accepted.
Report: 9,19
